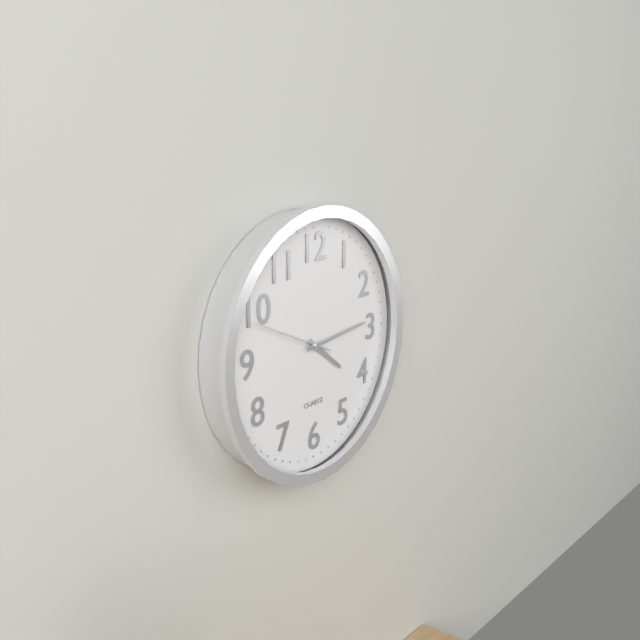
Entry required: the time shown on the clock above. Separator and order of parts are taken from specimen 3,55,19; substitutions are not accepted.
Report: 4,14,49
